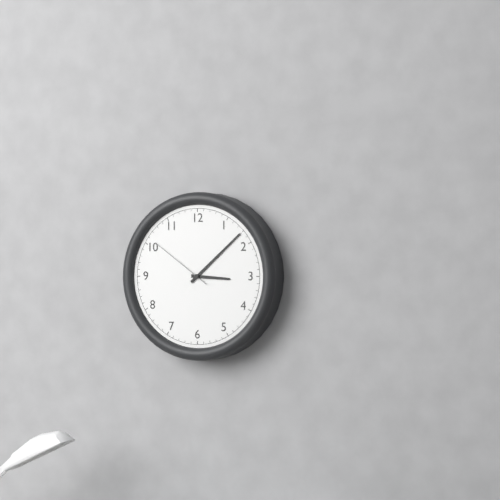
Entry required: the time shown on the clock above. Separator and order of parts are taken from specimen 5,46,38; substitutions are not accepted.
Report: 3,08,51
